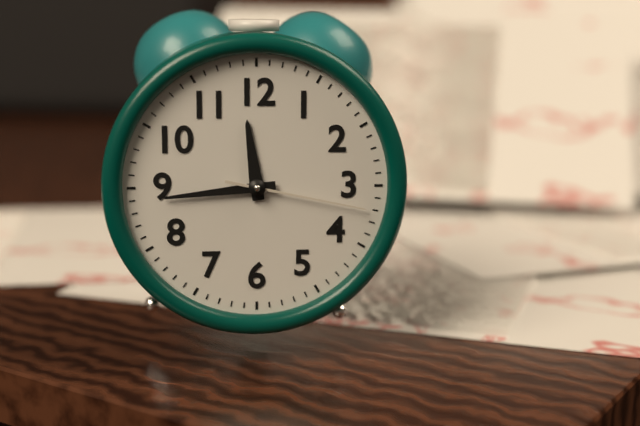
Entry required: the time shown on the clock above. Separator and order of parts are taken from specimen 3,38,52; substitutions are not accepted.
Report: 11,44,17
